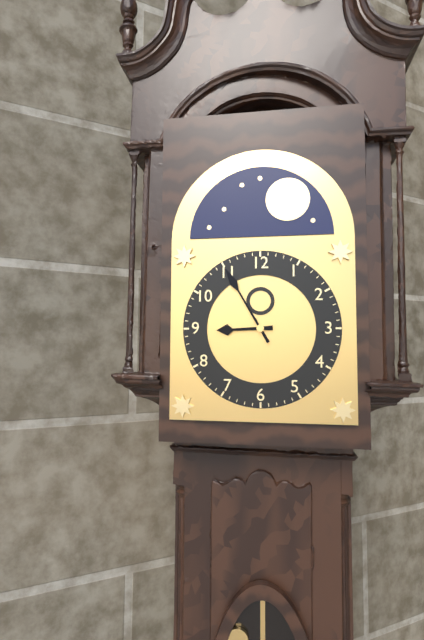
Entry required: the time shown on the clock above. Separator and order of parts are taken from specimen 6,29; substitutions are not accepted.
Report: 8,55
